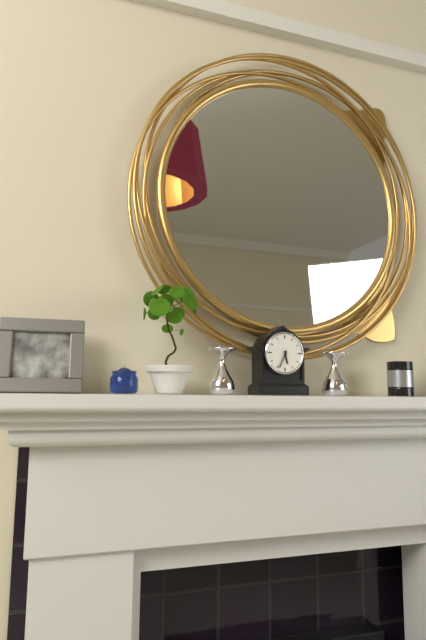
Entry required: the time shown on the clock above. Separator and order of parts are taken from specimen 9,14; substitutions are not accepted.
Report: 5,34
